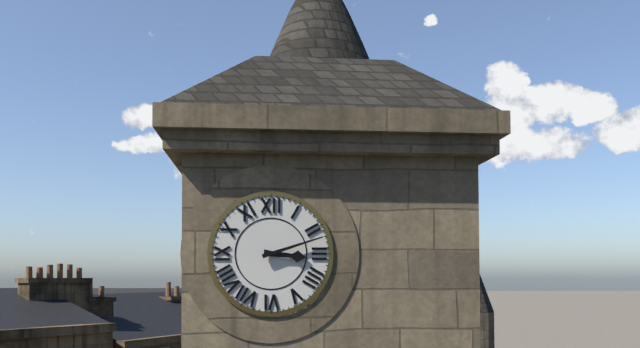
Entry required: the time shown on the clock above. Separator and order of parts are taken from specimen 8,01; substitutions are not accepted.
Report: 3,12
